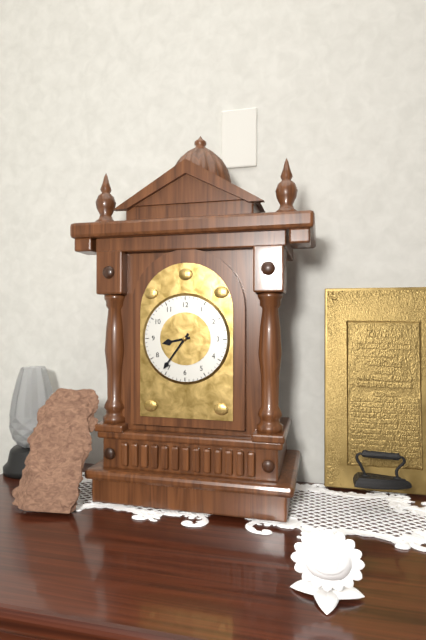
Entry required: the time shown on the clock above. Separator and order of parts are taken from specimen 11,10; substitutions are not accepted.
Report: 8,36
